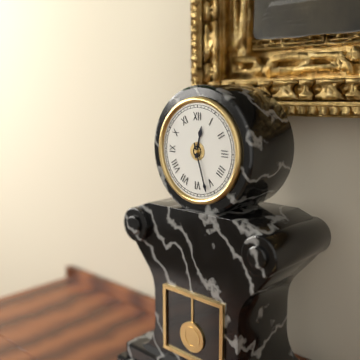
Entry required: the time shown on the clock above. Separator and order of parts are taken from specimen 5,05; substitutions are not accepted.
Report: 12,27
